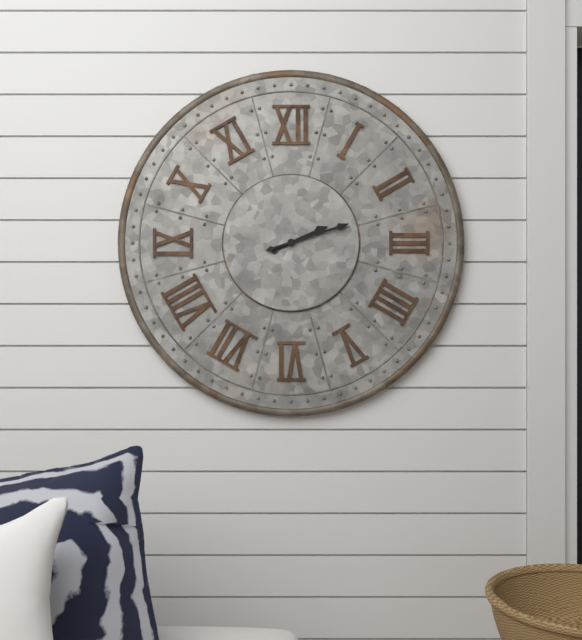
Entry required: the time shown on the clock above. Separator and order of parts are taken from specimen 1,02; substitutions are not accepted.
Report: 2,12
